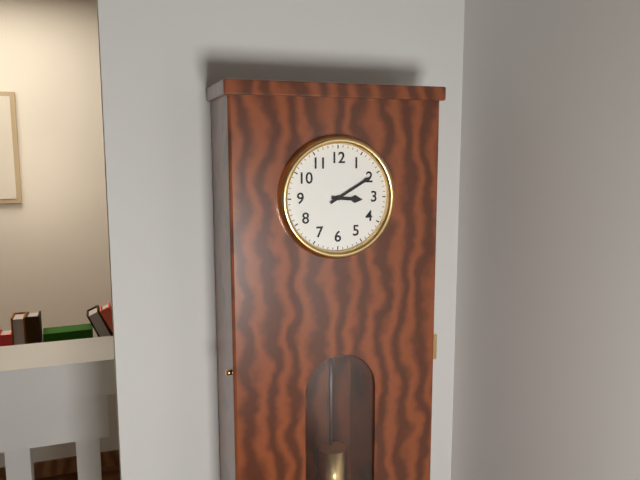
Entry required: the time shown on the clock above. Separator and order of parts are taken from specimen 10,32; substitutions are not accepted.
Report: 3,10
